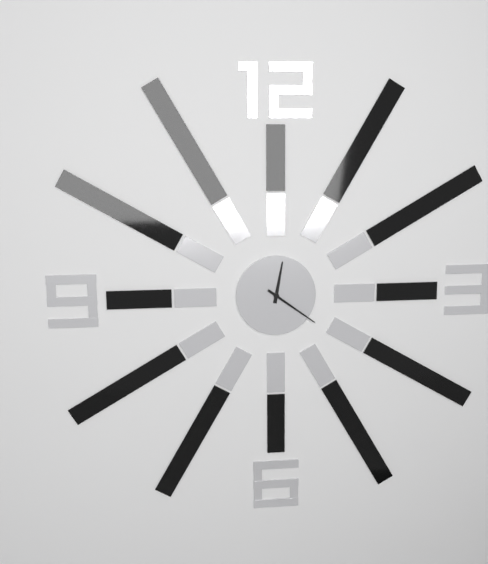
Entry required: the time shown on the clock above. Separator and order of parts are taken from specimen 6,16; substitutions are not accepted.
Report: 12,21
